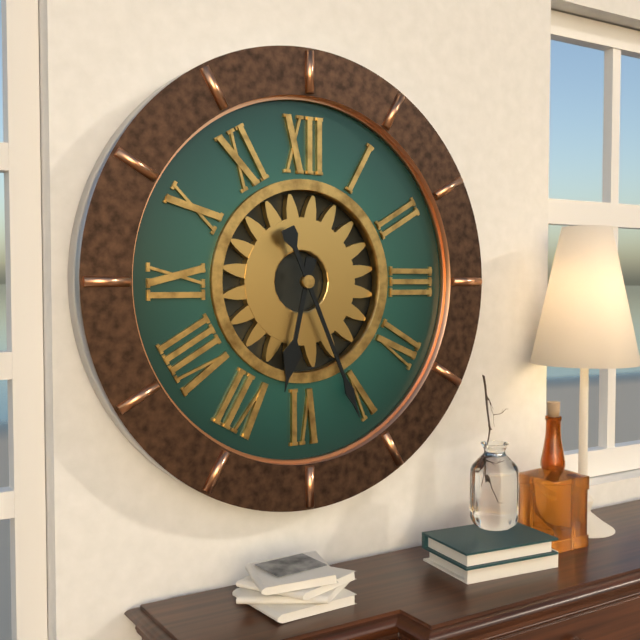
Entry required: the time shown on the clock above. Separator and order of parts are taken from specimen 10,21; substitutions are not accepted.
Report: 6,26
